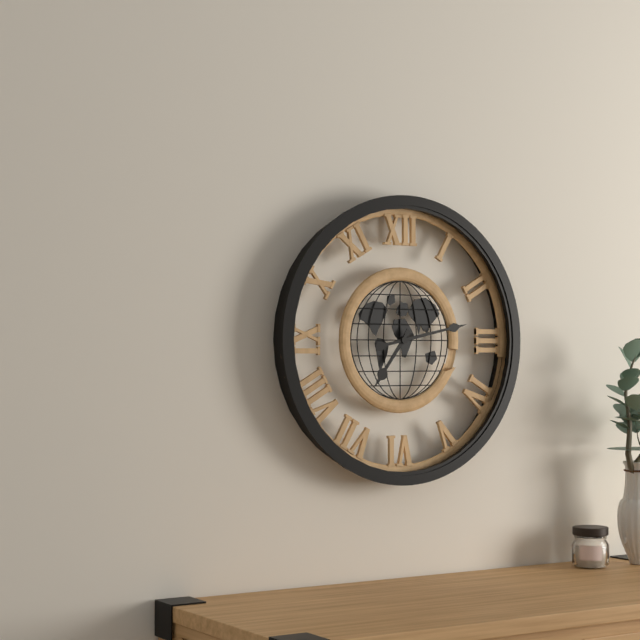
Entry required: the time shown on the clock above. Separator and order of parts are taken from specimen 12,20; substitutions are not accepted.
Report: 7,13
